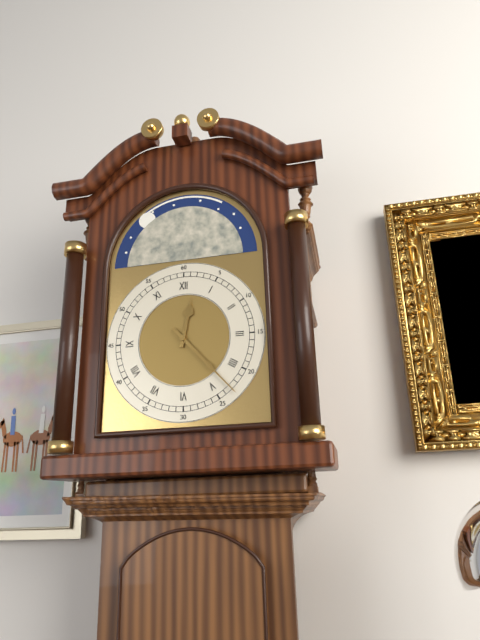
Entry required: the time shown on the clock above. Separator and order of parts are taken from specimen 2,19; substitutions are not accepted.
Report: 12,23
